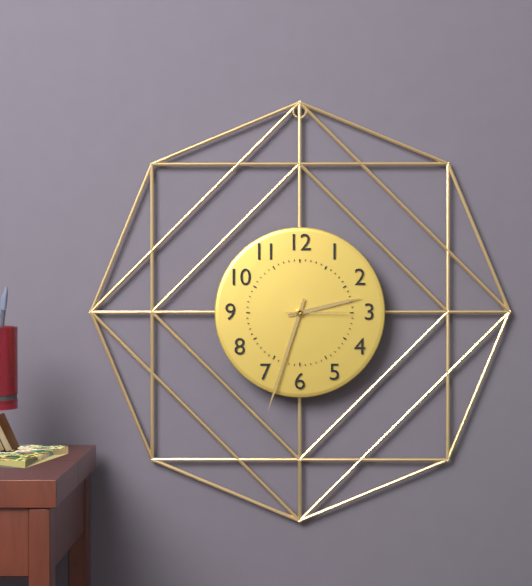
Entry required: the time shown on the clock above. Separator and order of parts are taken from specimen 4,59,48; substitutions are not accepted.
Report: 2,33,15
